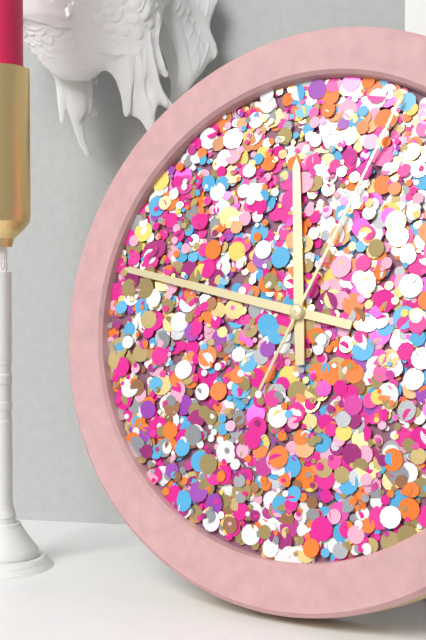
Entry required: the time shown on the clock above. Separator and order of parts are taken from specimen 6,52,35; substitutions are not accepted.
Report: 11,47,04
